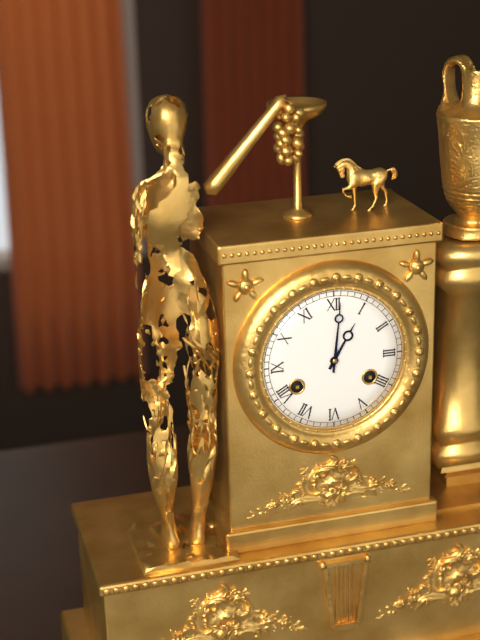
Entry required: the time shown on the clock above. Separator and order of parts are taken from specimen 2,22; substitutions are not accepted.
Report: 1,01
